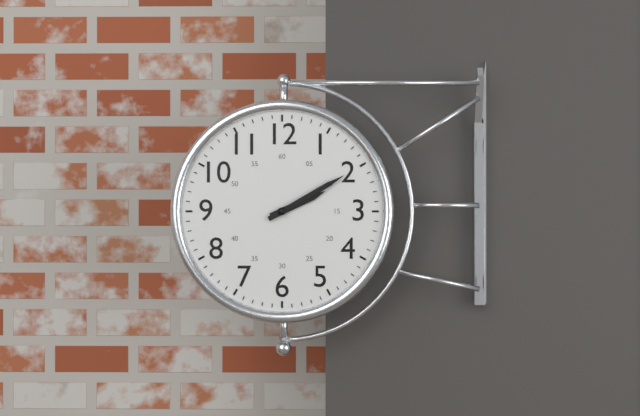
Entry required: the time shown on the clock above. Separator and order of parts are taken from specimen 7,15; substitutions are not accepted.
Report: 2,10
